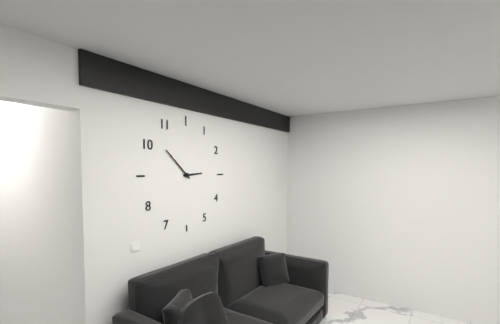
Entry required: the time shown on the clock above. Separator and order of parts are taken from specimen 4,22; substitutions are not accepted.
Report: 2,52
